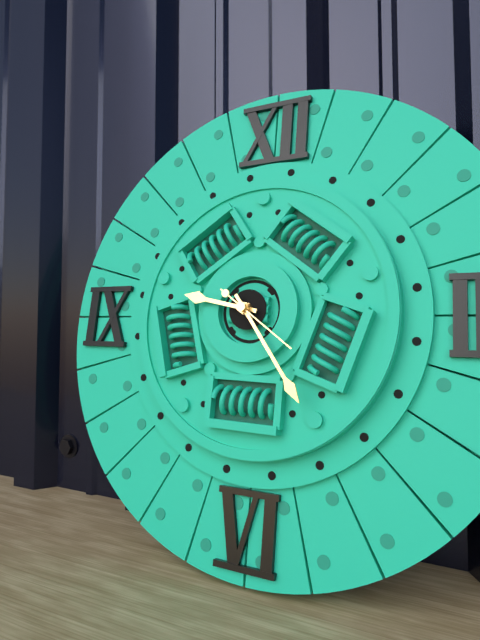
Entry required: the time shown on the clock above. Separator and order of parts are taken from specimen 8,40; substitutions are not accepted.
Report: 9,24
